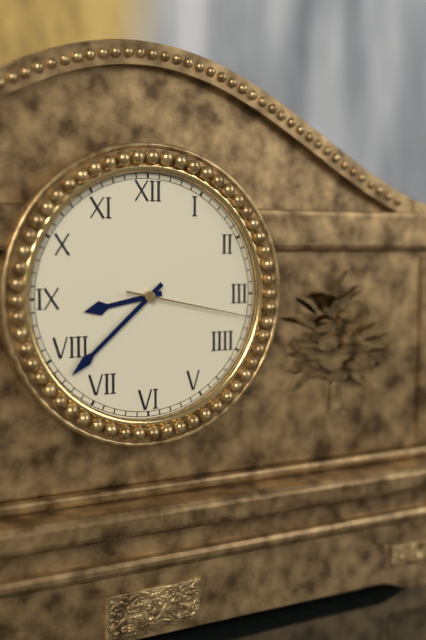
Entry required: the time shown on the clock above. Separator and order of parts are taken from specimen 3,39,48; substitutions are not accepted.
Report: 8,38,17
